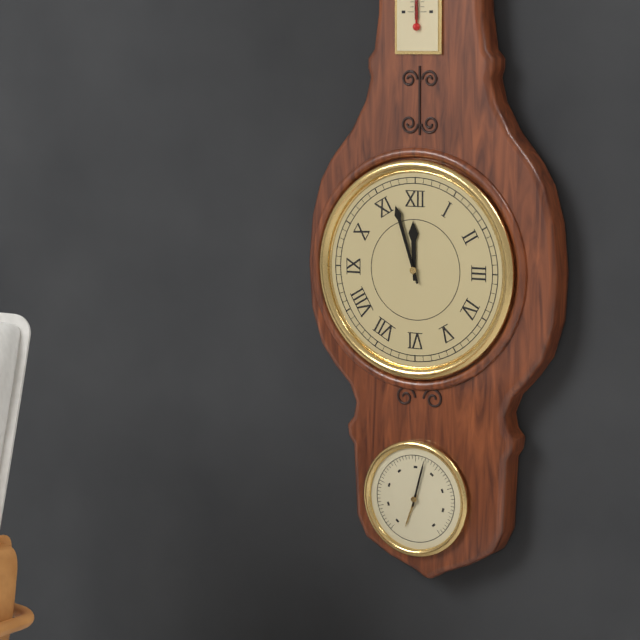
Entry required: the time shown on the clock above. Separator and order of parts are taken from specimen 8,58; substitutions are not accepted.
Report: 11,57
